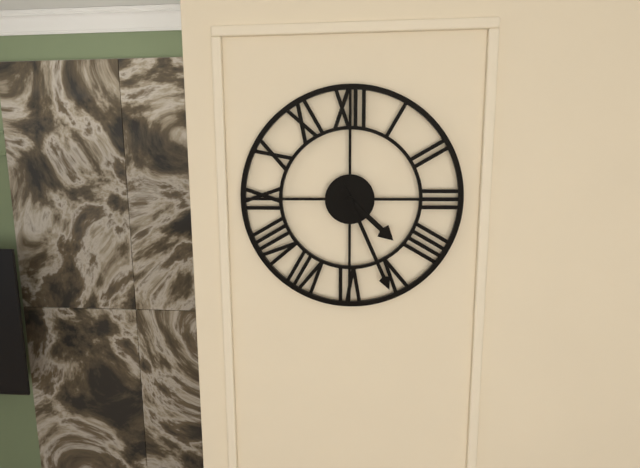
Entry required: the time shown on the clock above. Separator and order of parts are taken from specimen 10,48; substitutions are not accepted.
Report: 4,26
